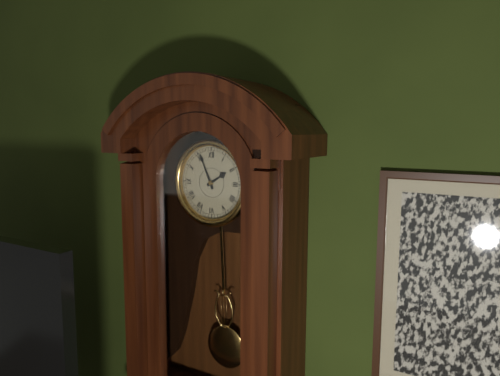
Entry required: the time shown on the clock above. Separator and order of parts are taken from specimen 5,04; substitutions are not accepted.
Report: 1,56
